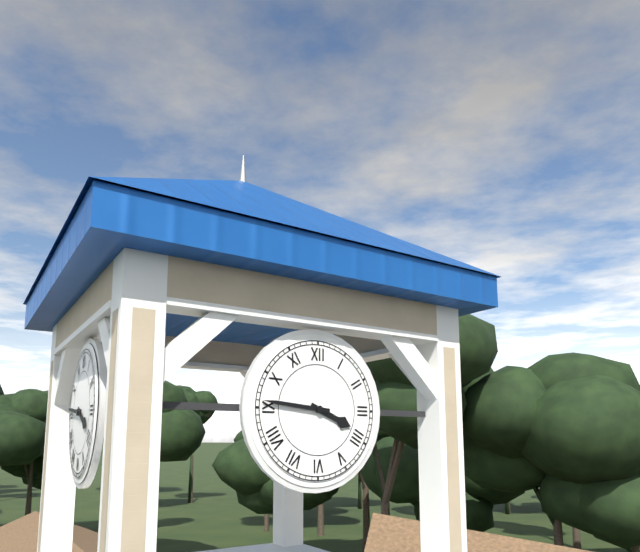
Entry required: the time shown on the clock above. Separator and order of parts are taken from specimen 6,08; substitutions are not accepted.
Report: 3,46
